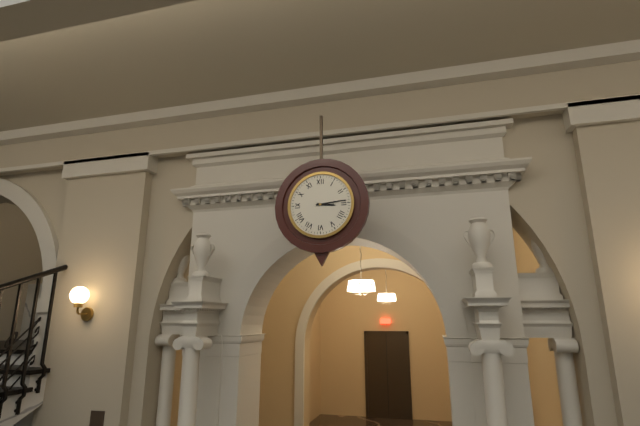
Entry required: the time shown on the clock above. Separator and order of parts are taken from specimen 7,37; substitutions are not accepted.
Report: 3,14
